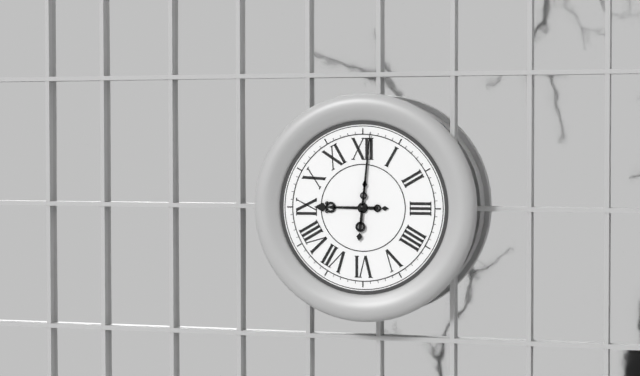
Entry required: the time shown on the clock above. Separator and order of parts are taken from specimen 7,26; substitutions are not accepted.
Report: 9,01
